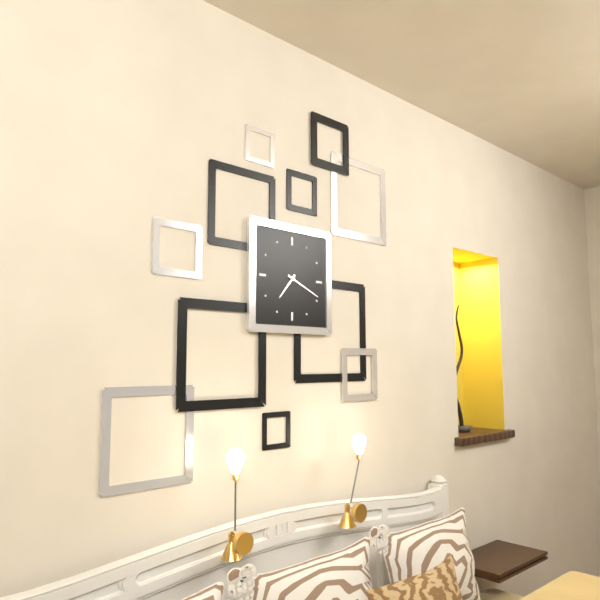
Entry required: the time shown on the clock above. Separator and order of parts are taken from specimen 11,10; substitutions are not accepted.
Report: 7,19
